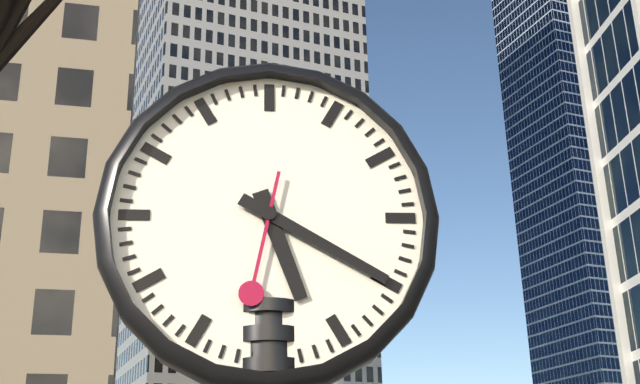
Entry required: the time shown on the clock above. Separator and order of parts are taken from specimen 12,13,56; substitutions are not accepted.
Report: 5,20,32
